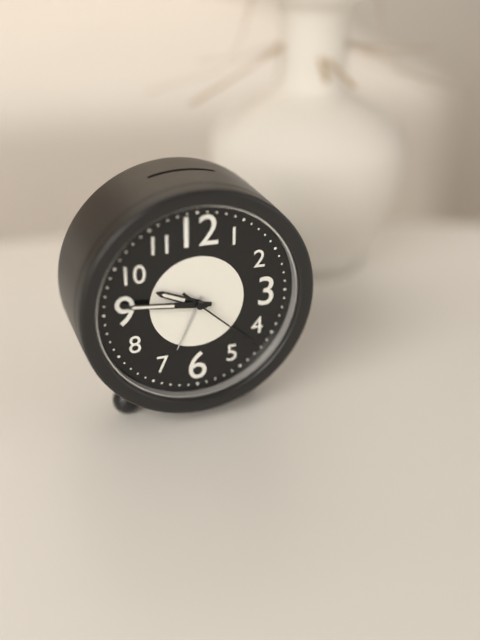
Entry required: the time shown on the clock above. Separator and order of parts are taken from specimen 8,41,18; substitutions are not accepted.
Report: 9,46,22
